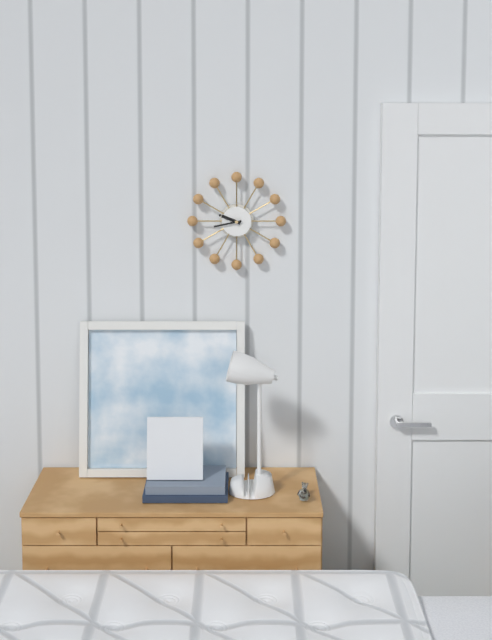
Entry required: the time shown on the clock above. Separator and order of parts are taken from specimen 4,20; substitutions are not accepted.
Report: 9,43
